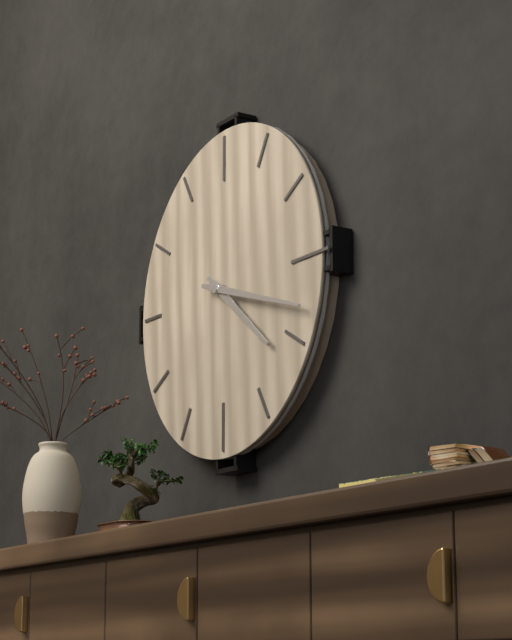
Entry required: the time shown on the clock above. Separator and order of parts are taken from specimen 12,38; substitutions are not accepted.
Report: 4,18
